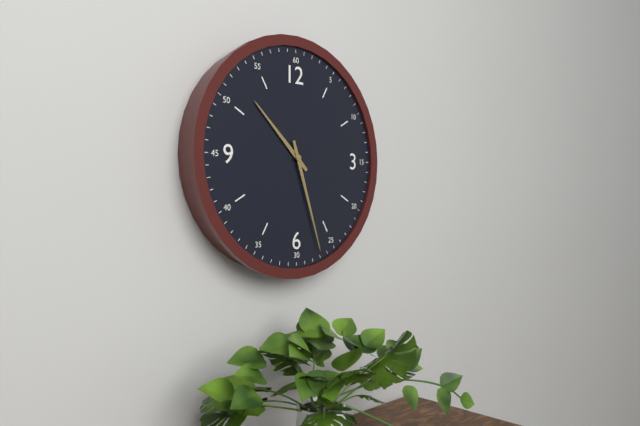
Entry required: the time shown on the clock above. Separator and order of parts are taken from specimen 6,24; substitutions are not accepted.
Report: 10,27
